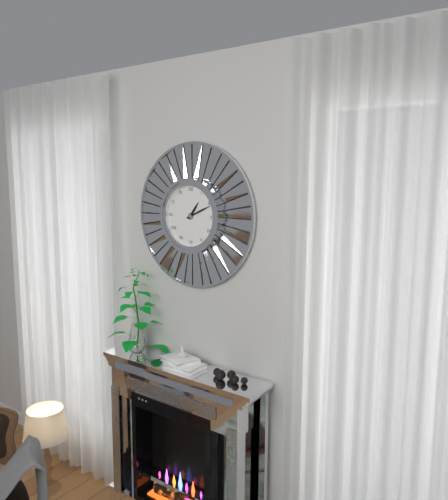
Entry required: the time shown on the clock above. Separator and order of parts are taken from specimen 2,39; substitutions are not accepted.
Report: 1,11
